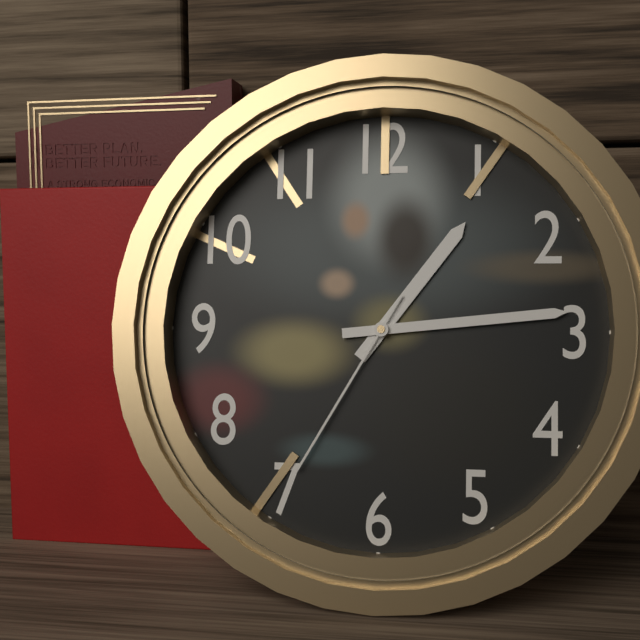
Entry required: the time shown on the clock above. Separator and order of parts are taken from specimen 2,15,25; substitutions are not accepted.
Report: 1,14,35
